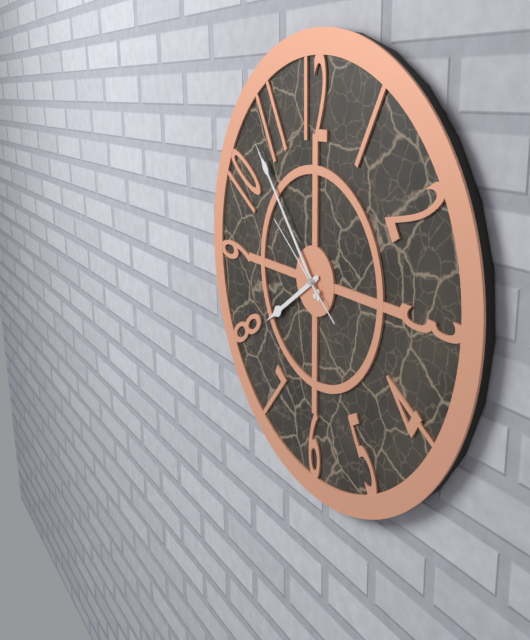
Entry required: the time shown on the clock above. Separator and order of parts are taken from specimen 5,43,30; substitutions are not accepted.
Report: 7,53,51
